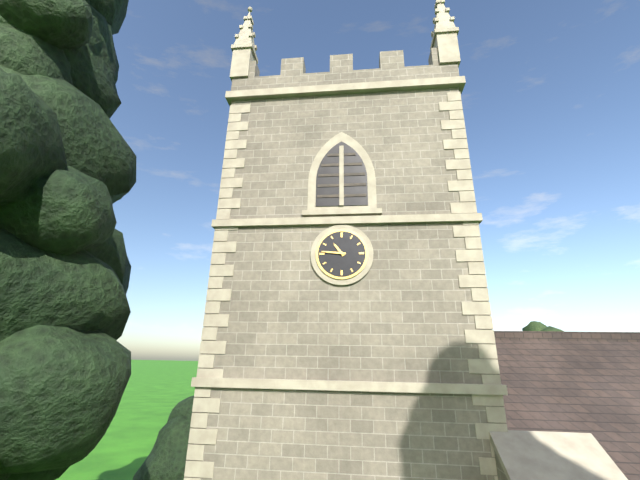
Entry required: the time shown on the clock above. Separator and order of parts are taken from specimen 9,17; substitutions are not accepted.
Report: 10,46
